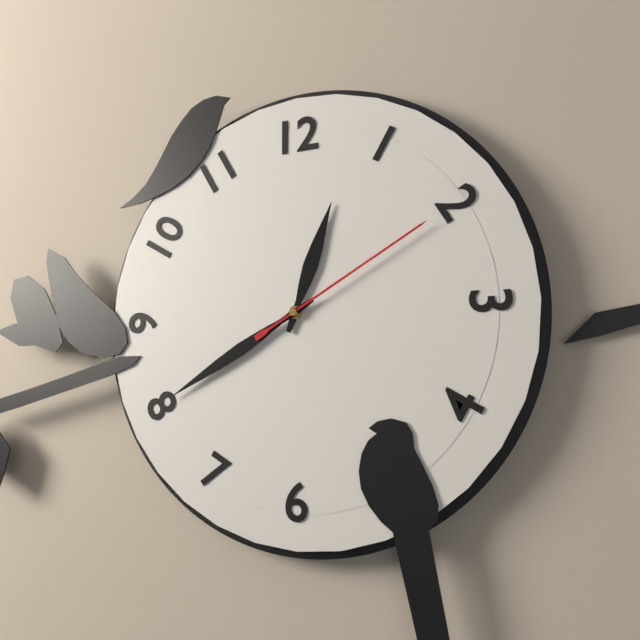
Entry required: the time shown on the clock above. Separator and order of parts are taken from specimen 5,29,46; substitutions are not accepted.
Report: 12,40,10
